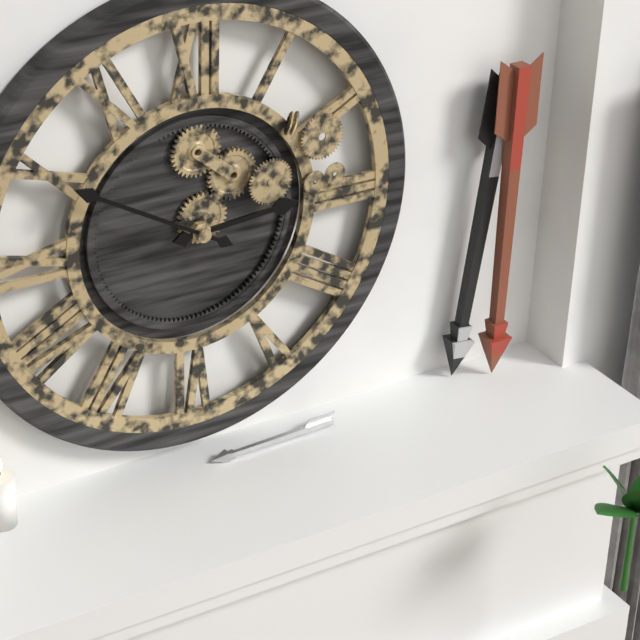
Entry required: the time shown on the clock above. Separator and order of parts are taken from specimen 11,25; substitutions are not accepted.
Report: 2,50
